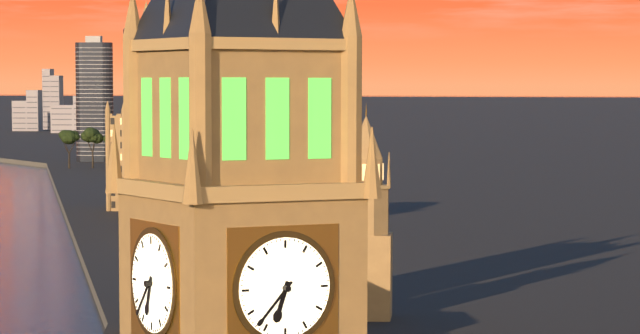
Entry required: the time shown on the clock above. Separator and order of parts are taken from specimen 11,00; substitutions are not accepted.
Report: 6,37
